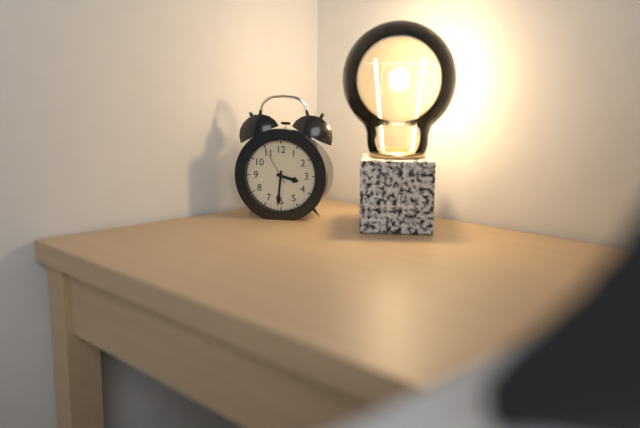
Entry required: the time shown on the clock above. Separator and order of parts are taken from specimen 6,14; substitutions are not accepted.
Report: 3,31
